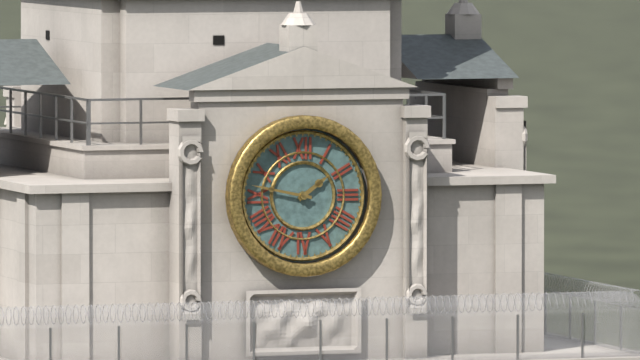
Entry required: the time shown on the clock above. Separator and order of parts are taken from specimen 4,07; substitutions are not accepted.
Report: 1,47
